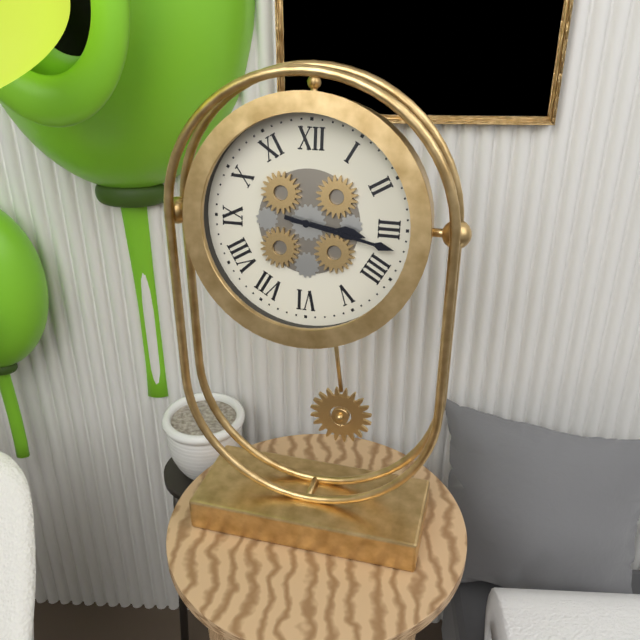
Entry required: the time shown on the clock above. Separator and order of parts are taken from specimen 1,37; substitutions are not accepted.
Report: 3,17
